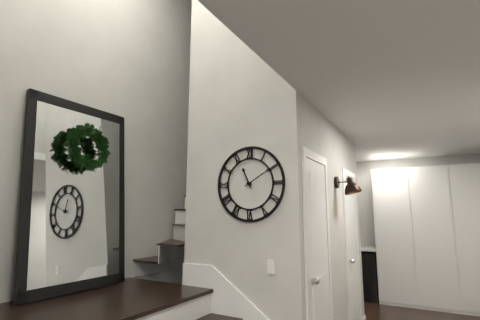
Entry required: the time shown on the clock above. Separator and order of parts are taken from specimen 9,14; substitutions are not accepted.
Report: 11,10
